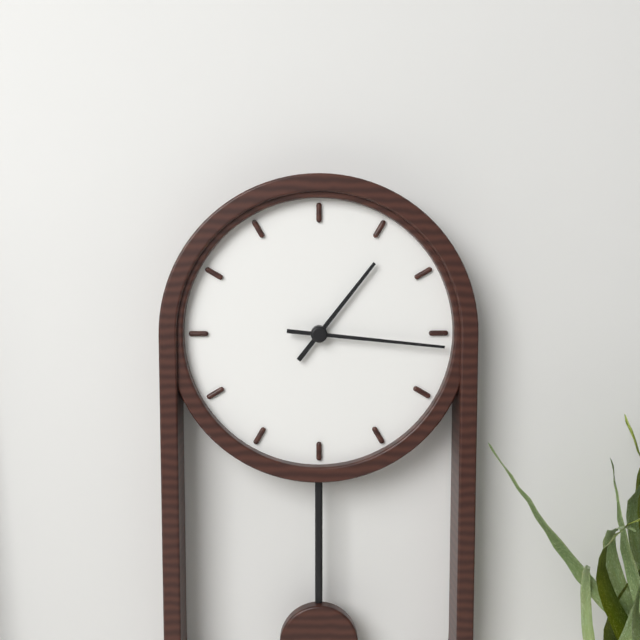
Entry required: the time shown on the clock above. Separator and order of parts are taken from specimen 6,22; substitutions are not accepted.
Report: 1,16
